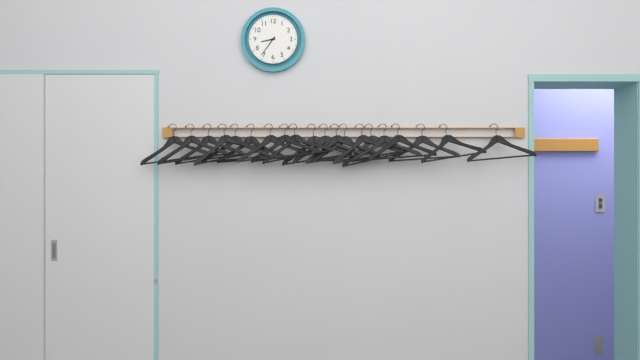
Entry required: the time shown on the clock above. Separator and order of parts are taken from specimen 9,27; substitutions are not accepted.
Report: 8,36
